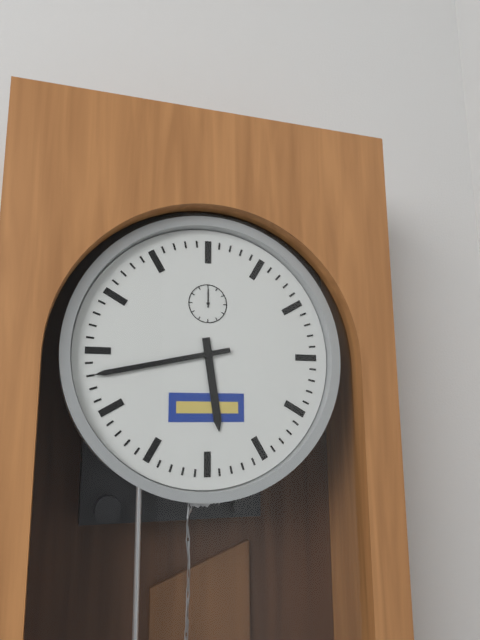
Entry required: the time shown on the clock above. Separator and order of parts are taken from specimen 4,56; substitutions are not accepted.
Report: 5,43
